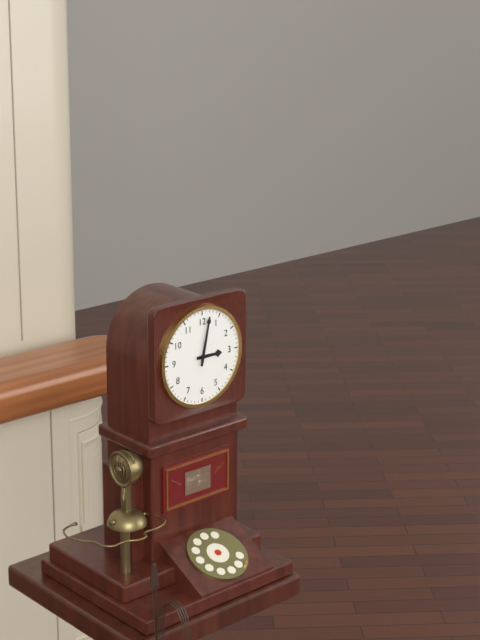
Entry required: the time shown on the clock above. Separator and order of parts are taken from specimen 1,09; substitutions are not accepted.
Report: 3,02
